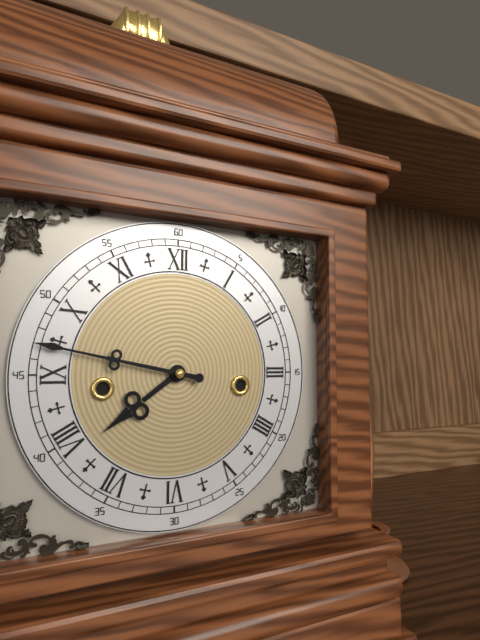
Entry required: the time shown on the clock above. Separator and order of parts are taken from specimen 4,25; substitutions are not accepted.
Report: 7,47
